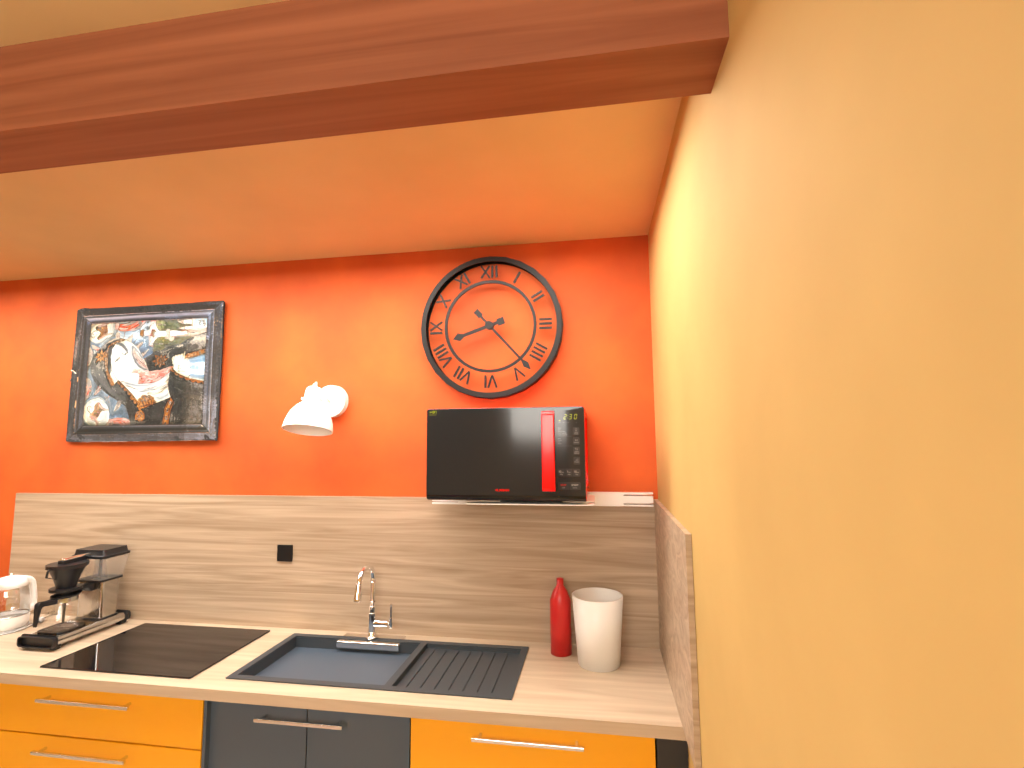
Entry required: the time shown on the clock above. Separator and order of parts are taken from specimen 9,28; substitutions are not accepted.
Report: 8,23
